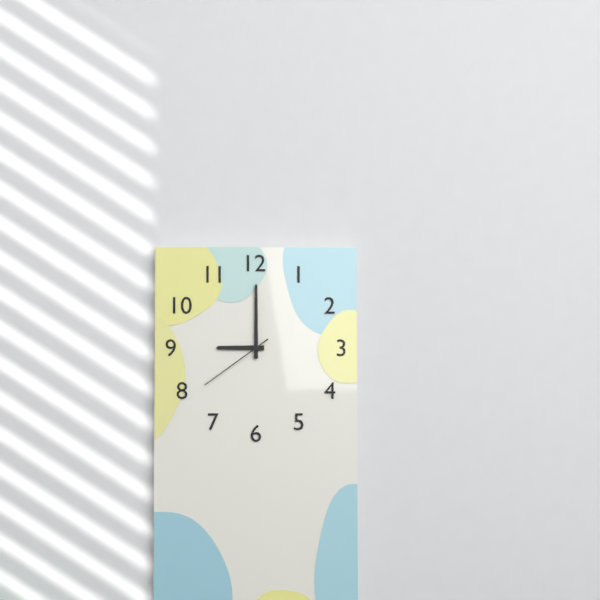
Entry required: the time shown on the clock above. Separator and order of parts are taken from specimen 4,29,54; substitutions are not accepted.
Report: 9,00,39
